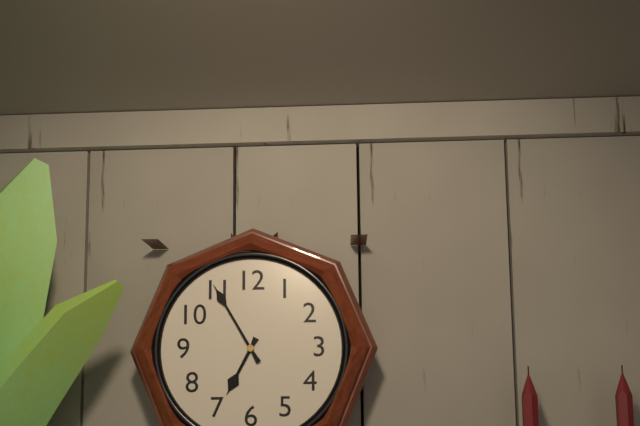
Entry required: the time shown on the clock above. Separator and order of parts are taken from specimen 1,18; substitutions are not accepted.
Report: 6,55
